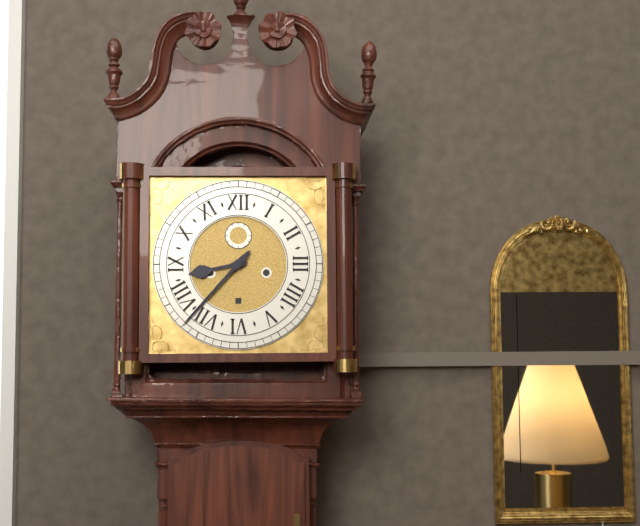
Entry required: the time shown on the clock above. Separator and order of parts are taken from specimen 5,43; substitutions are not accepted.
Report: 8,37
